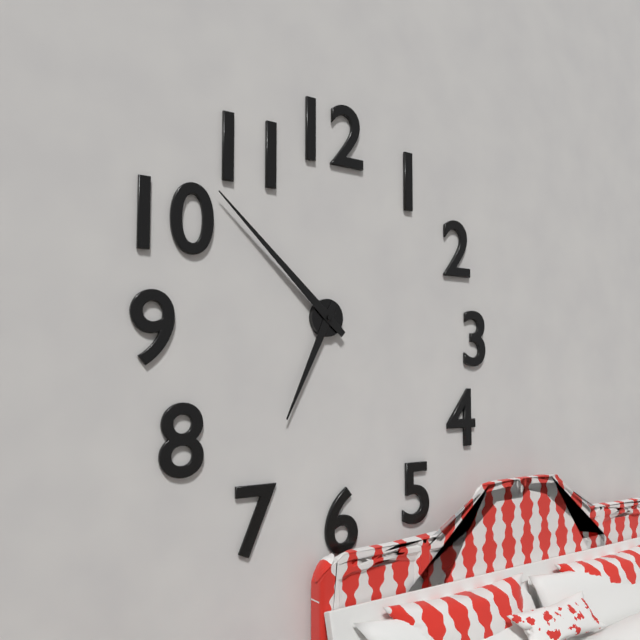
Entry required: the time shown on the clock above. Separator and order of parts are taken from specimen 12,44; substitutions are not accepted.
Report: 6,52
